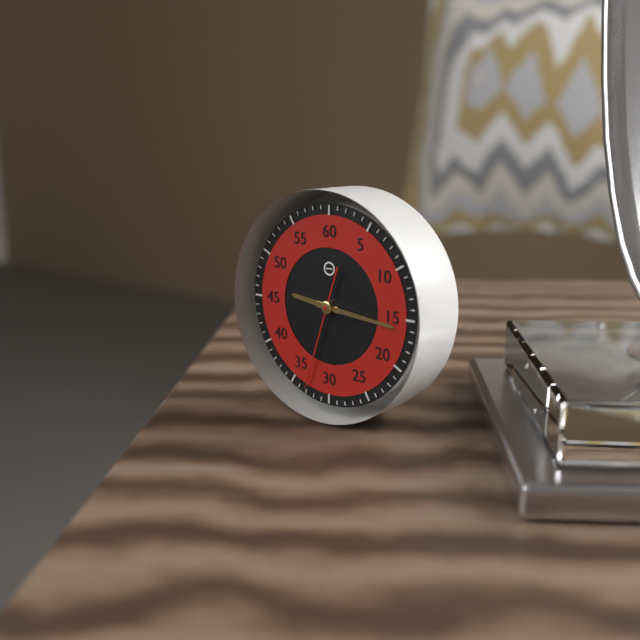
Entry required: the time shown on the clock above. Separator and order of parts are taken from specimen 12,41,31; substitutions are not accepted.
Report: 9,16,33
